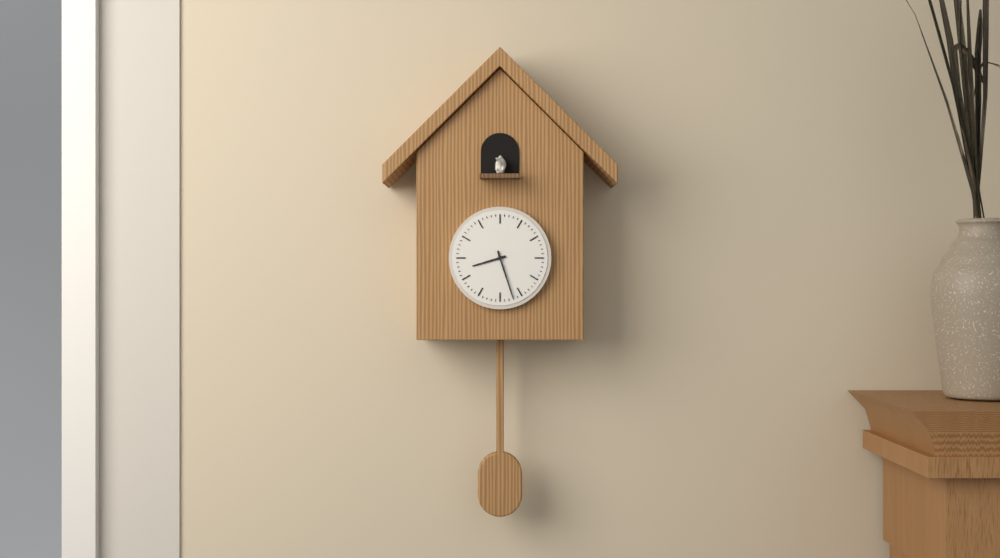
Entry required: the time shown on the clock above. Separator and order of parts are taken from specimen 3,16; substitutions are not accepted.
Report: 8,27
